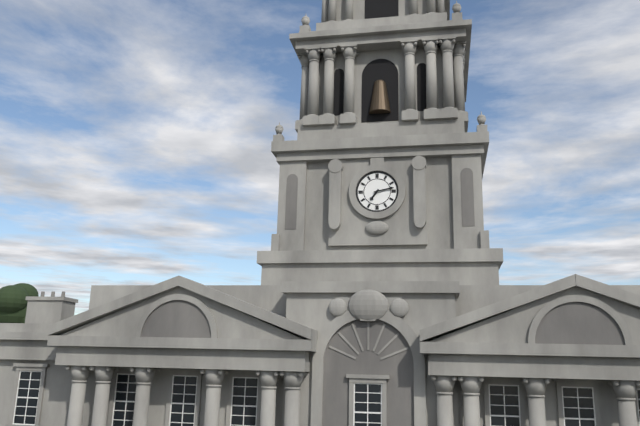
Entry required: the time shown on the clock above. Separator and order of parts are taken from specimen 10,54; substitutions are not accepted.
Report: 7,13
